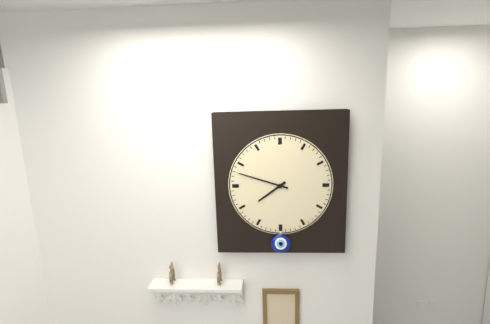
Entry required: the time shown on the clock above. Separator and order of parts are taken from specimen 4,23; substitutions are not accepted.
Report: 7,48
